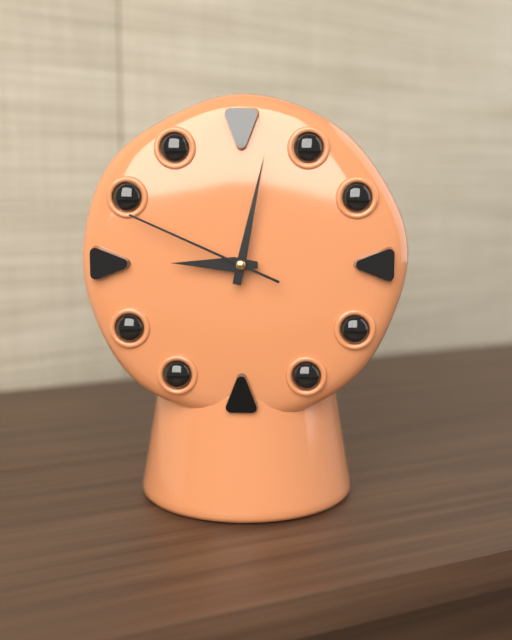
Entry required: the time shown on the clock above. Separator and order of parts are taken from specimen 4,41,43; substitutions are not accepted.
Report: 9,02,49
